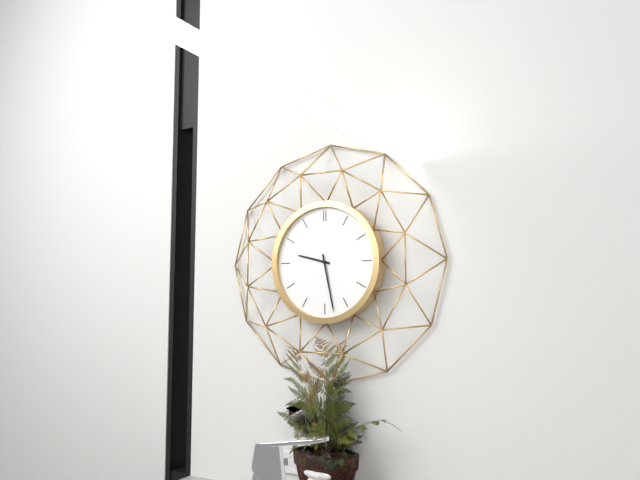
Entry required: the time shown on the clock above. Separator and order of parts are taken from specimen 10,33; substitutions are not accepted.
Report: 9,28
